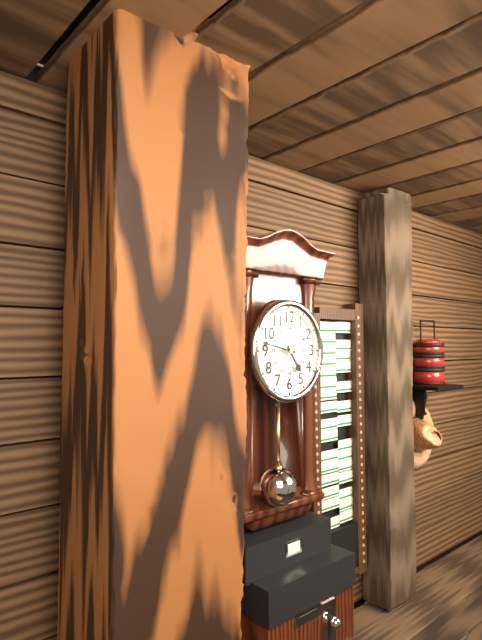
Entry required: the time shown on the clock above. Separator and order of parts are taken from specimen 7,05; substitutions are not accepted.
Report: 4,47
